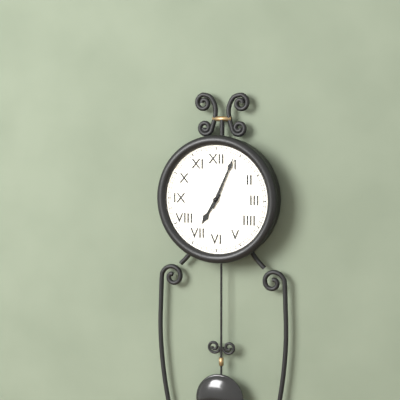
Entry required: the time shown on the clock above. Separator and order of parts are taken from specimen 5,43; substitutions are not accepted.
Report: 7,04
